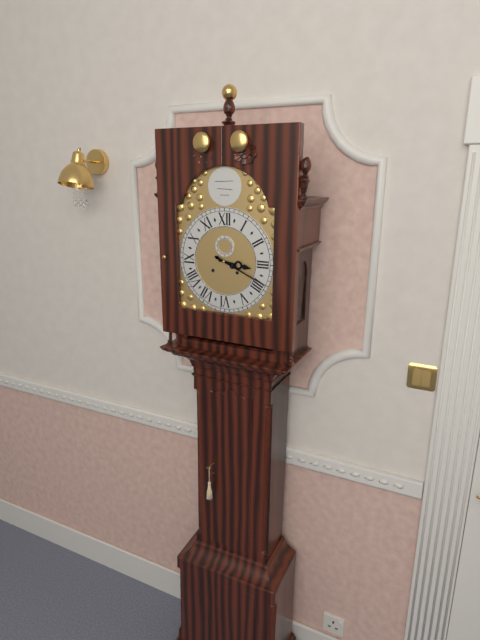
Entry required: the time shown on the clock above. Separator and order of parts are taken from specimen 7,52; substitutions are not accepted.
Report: 3,19
